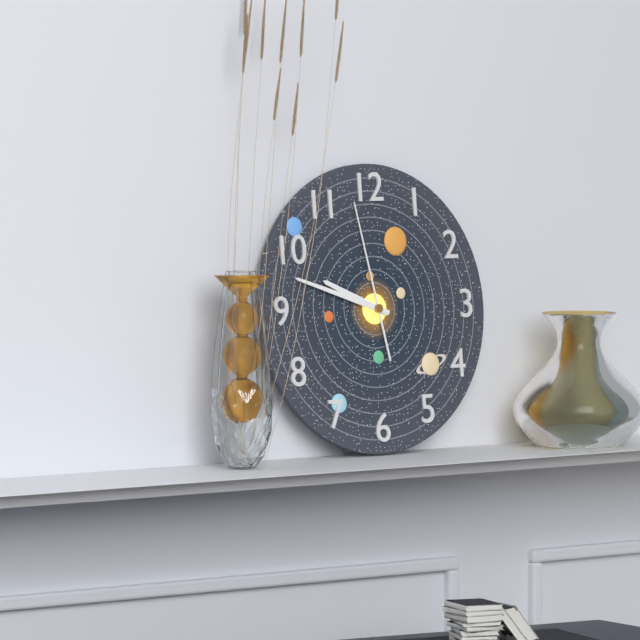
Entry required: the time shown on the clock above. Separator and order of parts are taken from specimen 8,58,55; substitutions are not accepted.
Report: 9,48,58
